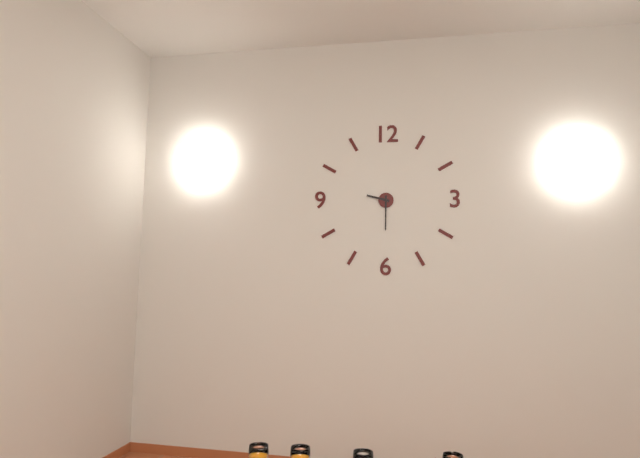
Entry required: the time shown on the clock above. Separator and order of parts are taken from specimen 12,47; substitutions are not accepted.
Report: 9,30
